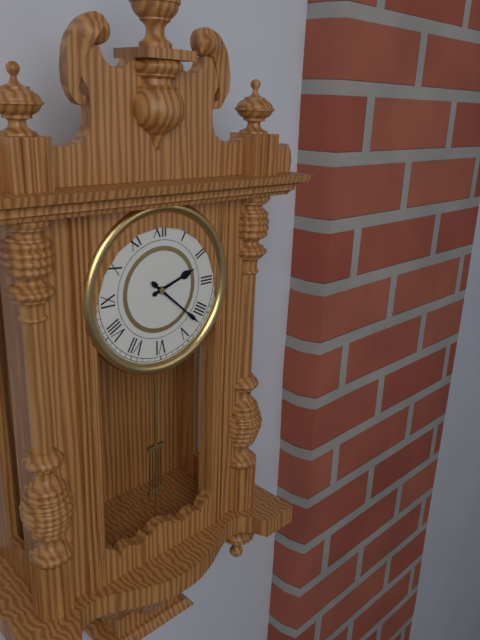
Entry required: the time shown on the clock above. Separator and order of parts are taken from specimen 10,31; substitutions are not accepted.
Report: 2,22
